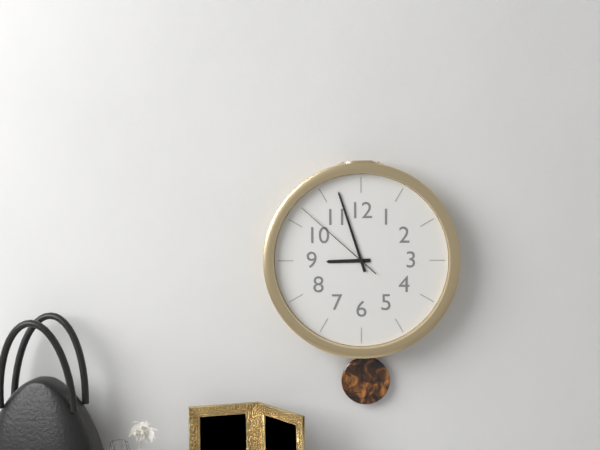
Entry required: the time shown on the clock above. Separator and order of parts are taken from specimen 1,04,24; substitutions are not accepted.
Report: 8,57,52
